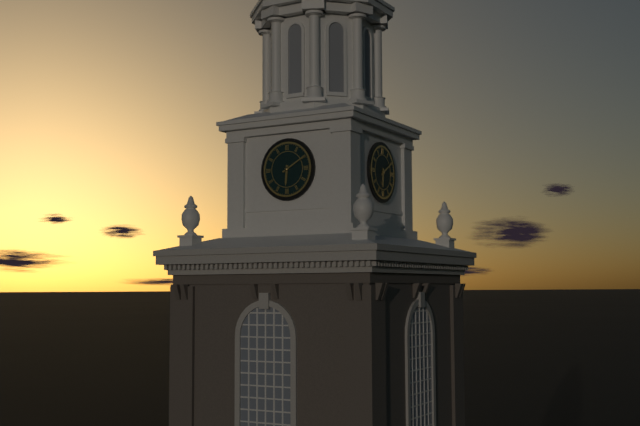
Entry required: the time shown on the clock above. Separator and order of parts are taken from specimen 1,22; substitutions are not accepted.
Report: 6,10
